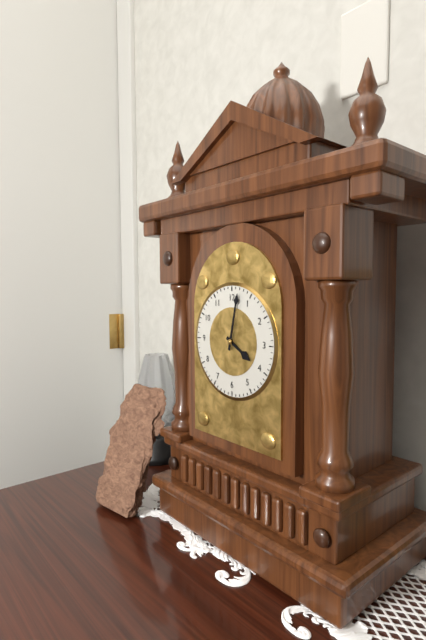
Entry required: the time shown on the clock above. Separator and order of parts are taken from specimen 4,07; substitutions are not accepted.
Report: 4,02
